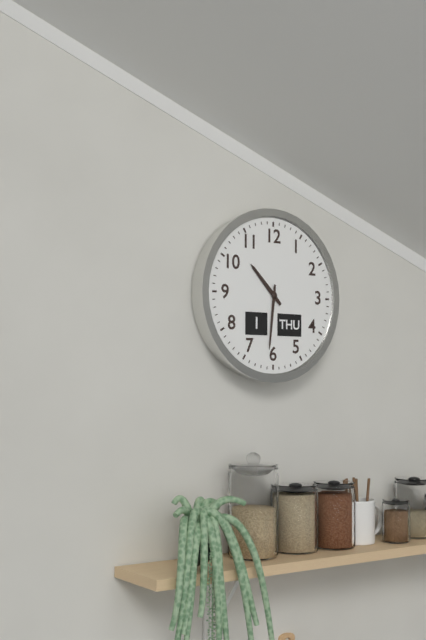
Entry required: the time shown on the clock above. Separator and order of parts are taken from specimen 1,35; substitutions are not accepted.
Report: 10,31
